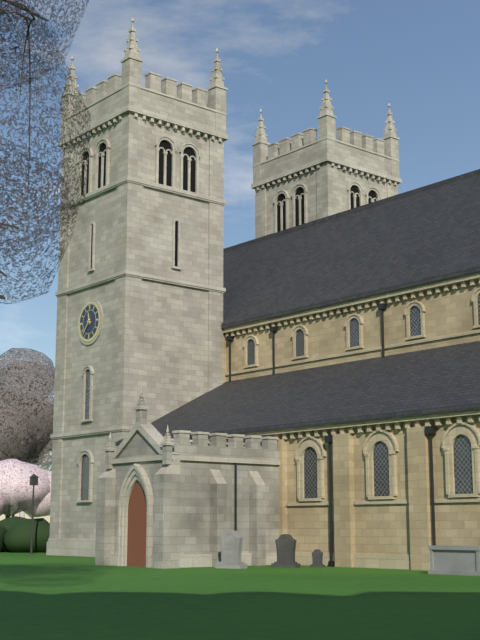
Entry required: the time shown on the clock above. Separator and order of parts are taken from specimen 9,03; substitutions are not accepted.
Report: 11,37
